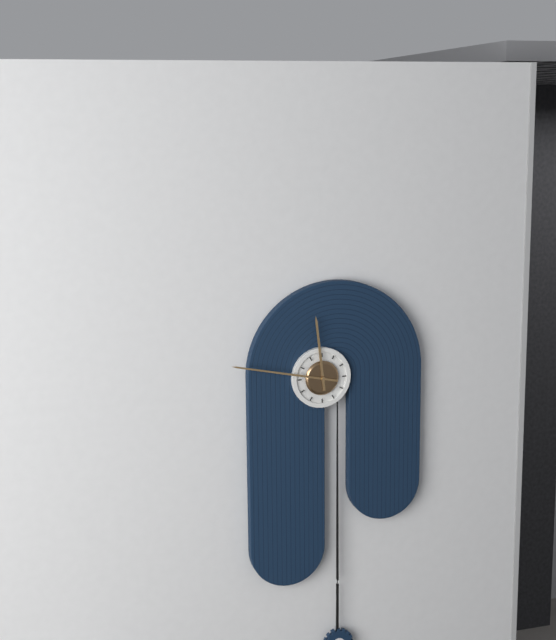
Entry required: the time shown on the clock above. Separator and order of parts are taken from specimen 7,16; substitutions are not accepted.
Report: 11,47
